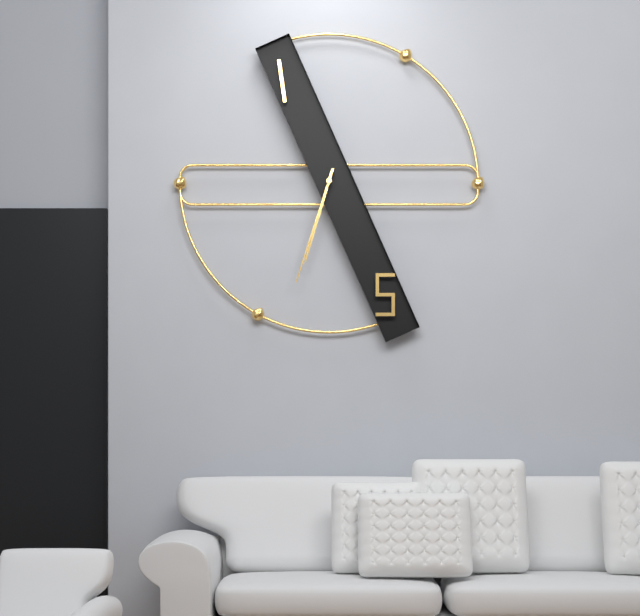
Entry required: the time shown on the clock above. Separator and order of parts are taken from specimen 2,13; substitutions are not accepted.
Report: 6,33
